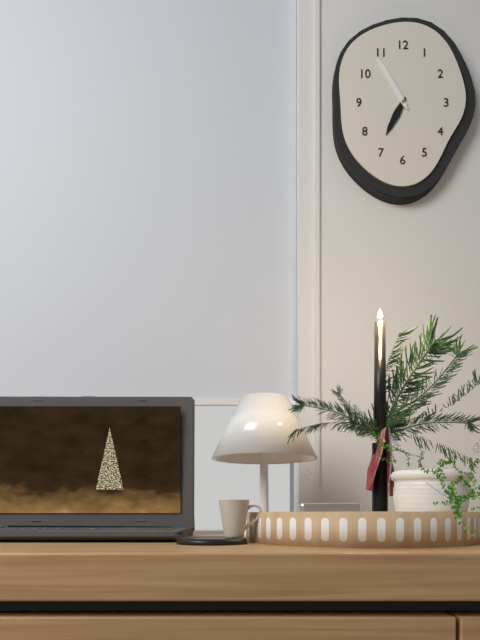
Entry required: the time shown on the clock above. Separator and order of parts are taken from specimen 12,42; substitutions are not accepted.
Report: 6,55
